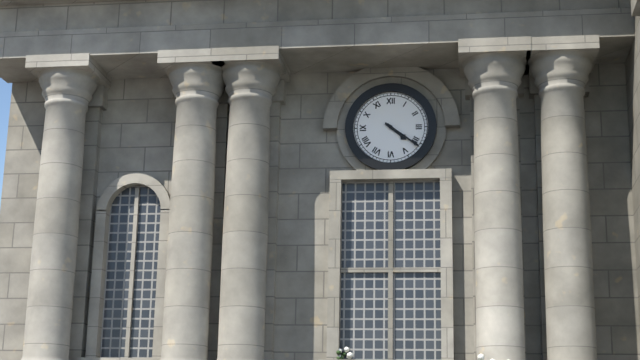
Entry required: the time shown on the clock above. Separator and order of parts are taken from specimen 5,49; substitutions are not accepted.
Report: 4,21
